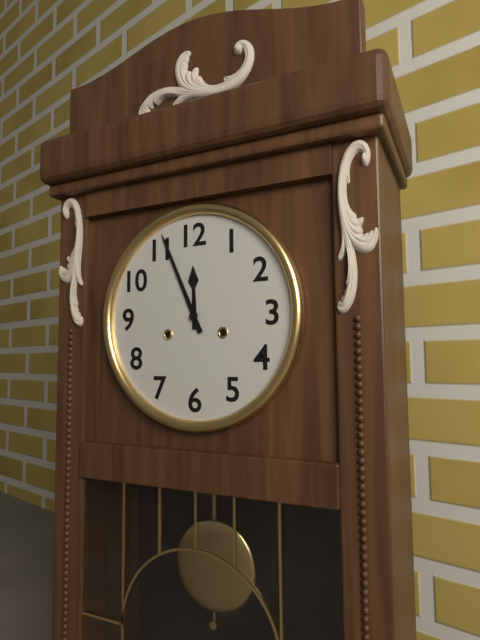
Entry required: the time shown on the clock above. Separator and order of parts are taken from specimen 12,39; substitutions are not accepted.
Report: 11,56
